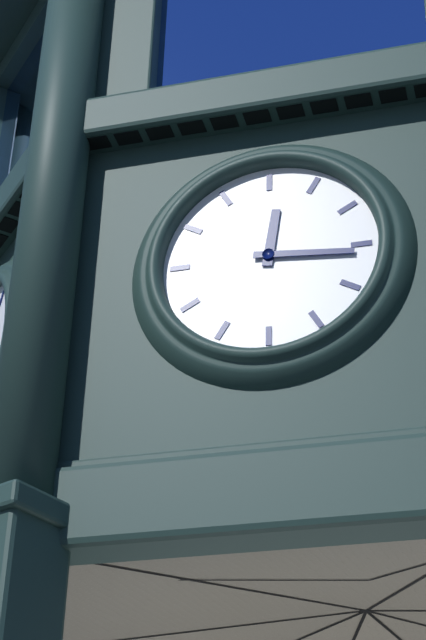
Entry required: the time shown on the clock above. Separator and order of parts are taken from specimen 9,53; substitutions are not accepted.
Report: 12,16
